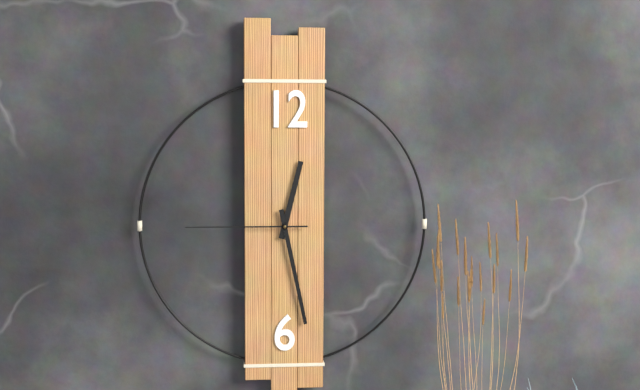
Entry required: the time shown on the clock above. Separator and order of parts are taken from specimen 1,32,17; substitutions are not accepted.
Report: 12,28,45
